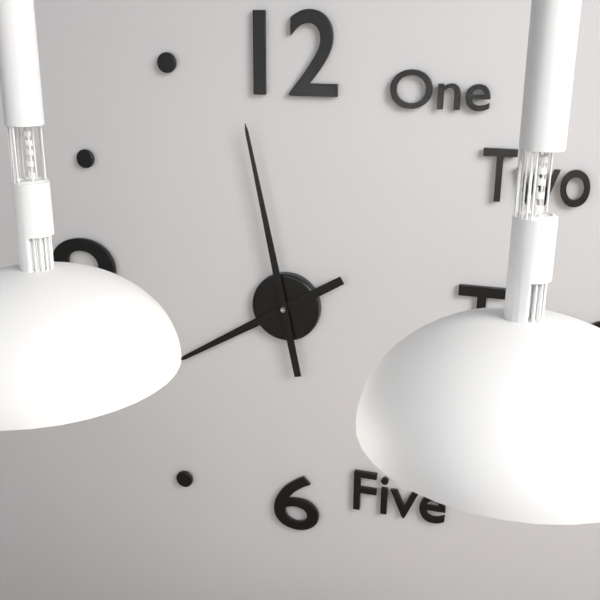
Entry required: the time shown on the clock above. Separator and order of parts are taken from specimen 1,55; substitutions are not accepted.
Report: 7,58
